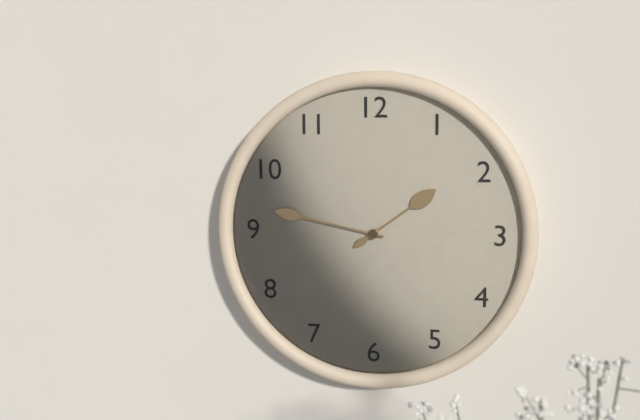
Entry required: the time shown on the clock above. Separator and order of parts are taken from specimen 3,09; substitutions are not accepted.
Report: 1,47
